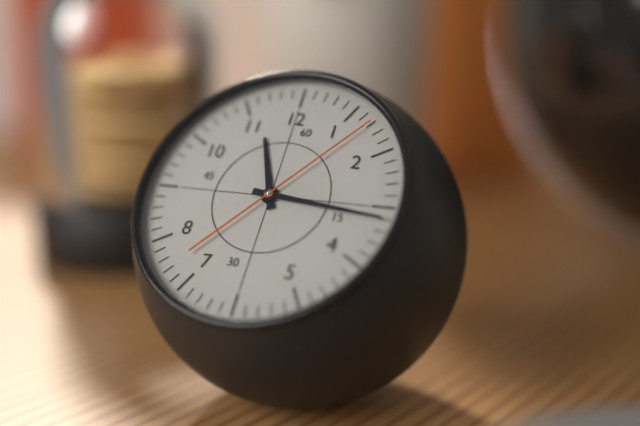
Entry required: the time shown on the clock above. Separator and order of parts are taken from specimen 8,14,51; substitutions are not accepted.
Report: 11,16,07
